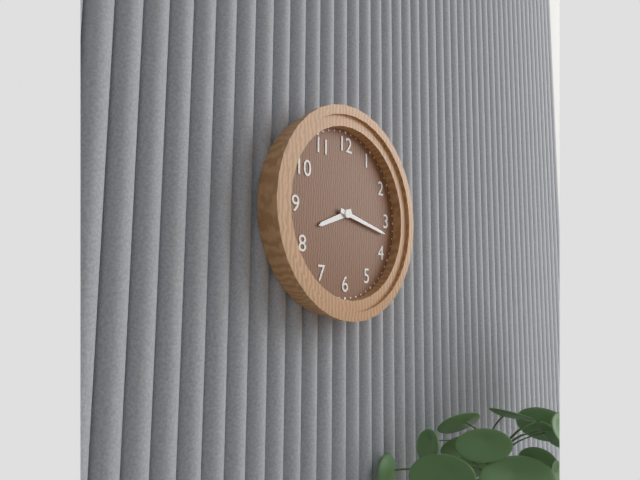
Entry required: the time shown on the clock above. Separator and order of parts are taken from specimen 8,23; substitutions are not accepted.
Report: 8,17
